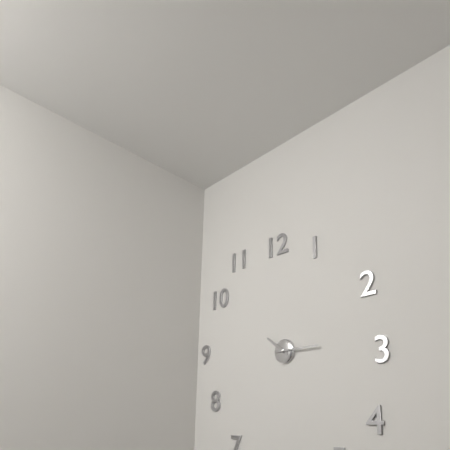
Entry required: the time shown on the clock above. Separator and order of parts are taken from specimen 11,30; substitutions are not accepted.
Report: 10,15
